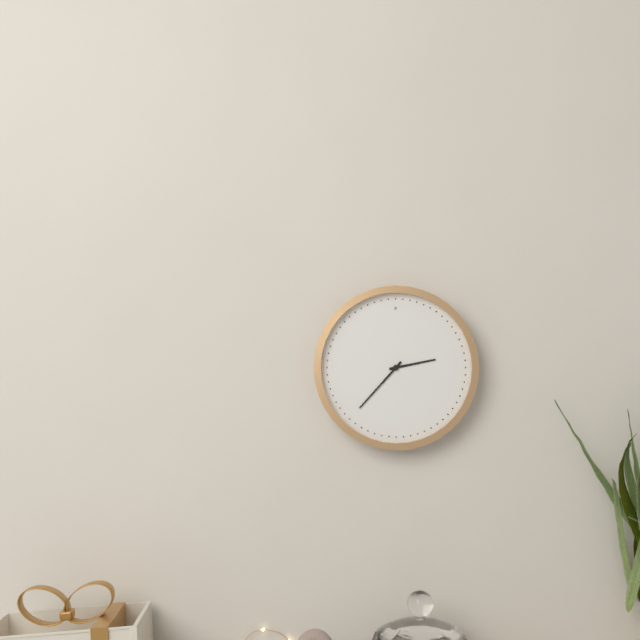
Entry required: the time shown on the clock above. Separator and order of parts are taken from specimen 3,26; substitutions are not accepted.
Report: 2,37
